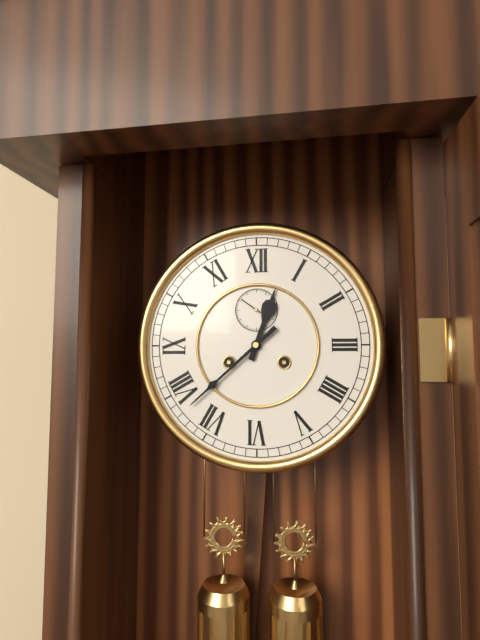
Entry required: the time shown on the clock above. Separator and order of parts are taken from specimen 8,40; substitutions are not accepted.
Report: 12,38
